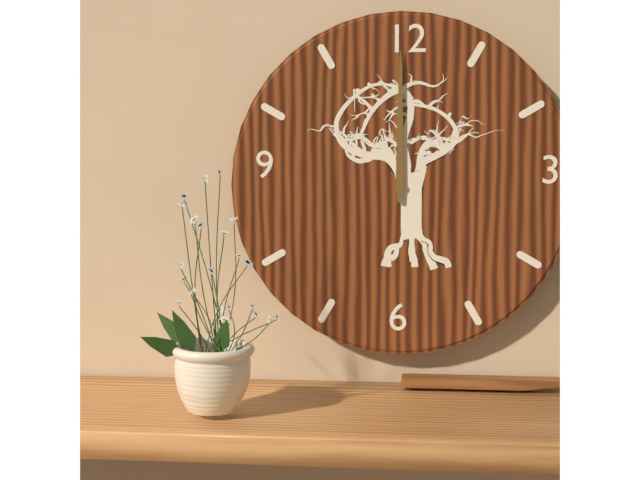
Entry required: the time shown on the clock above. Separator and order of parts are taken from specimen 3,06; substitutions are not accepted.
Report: 12,00
